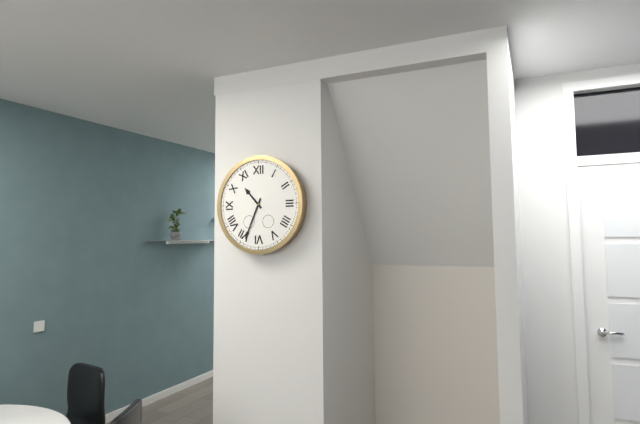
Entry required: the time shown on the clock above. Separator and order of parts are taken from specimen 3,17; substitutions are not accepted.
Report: 10,34
